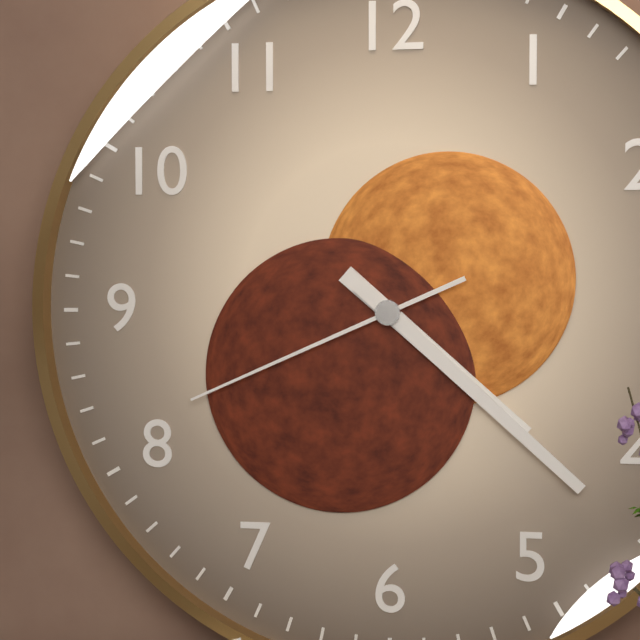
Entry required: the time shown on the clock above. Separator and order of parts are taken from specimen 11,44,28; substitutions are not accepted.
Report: 4,22,41
